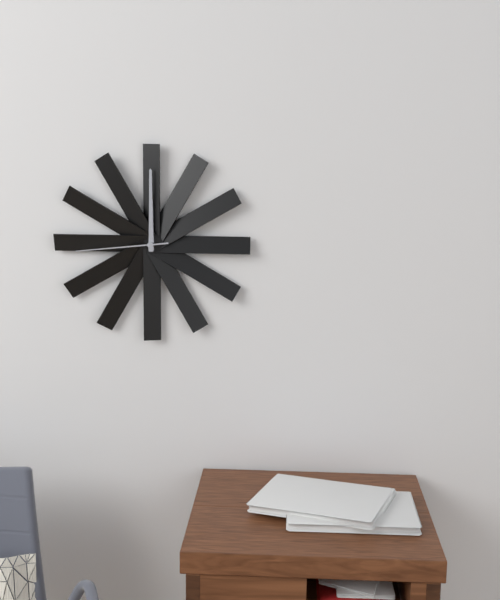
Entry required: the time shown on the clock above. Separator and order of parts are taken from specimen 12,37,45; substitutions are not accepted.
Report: 12,00,44
